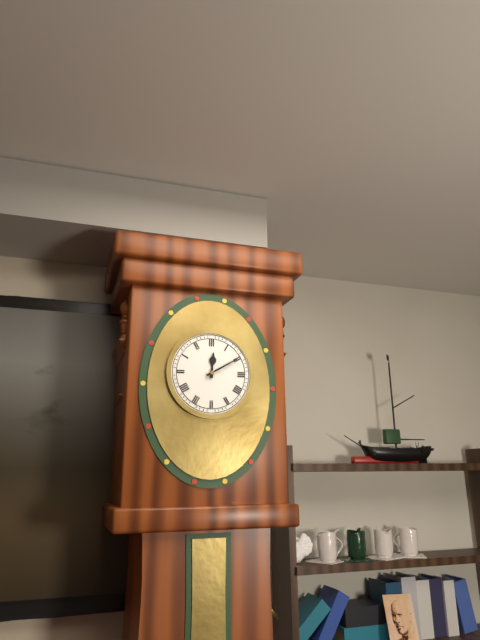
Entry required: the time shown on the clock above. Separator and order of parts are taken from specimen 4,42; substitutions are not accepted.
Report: 12,10
